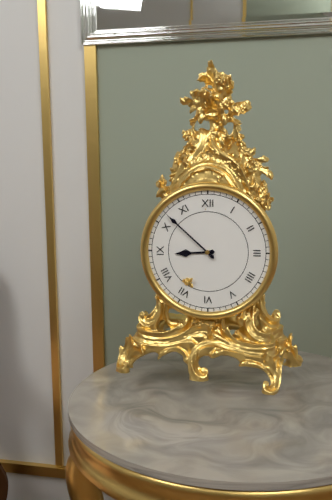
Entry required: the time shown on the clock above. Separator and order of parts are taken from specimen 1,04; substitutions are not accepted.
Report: 8,52
